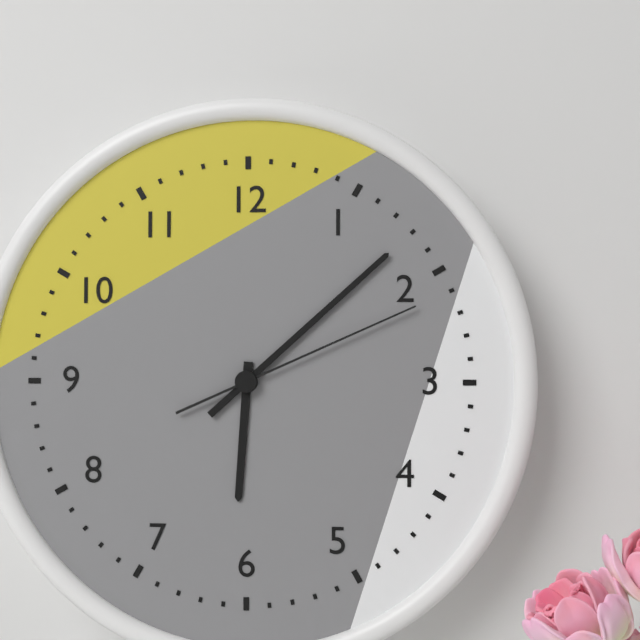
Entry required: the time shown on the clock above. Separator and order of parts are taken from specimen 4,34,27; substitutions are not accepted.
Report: 6,08,11
